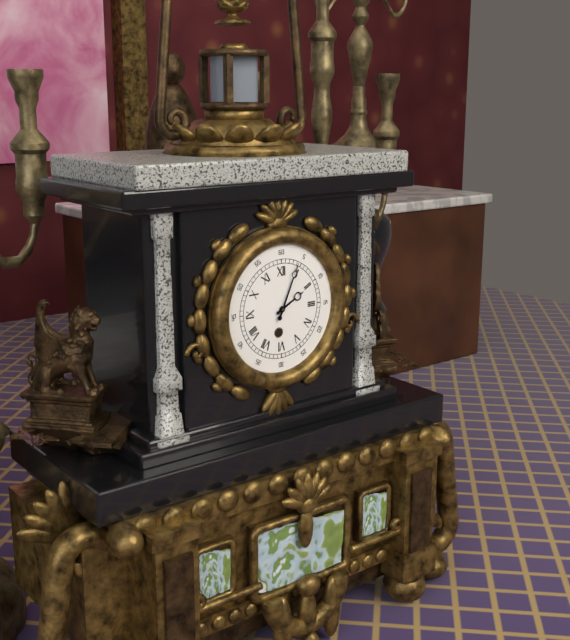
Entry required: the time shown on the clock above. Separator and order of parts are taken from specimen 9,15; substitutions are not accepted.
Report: 2,04
